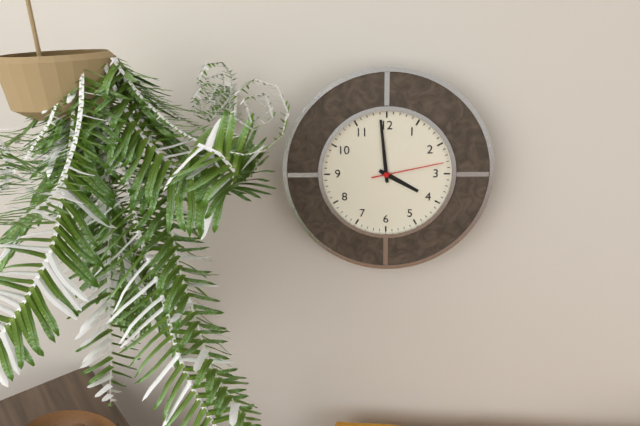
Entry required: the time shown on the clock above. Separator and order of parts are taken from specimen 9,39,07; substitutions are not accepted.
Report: 3,59,13
